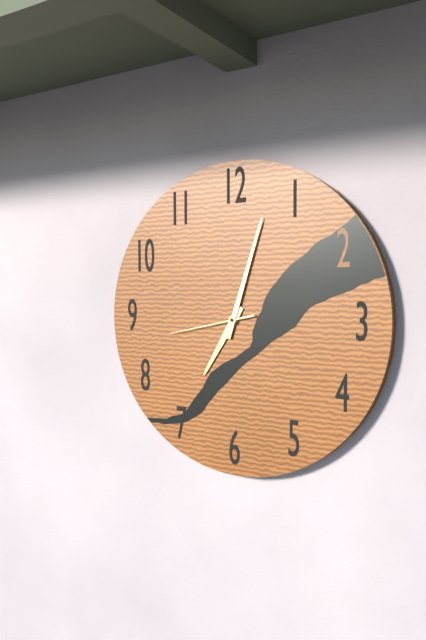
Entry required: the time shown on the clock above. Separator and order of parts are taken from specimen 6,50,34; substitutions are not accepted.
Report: 7,03,43
